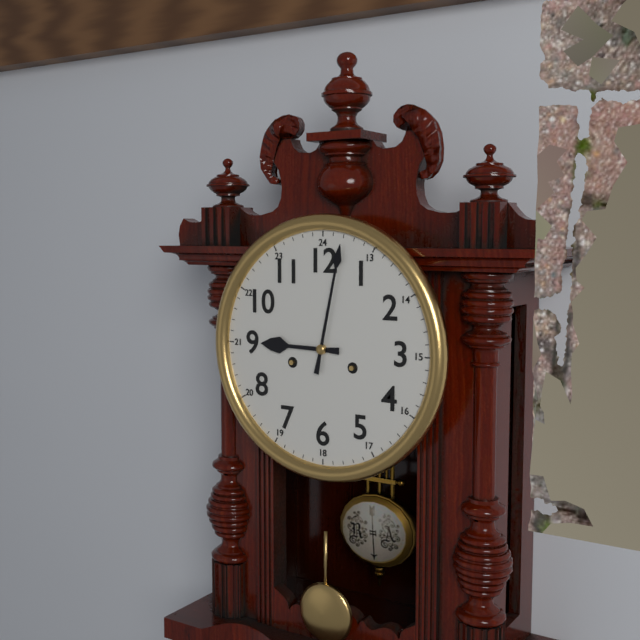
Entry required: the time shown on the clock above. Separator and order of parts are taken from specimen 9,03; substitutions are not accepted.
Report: 9,02
